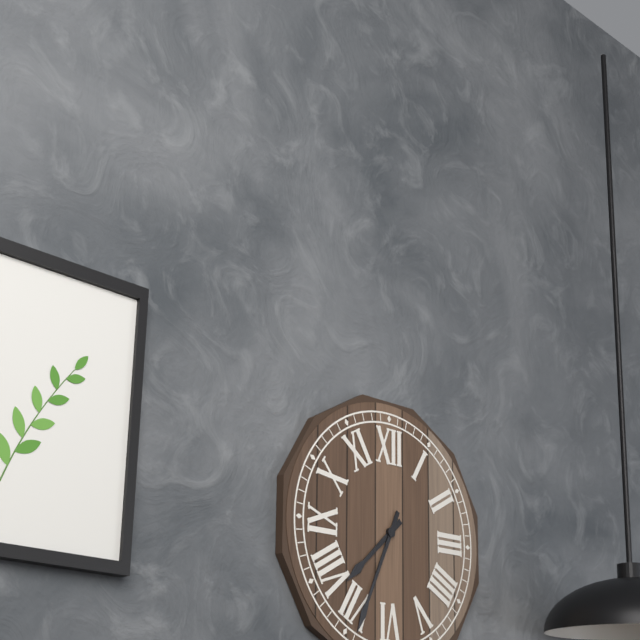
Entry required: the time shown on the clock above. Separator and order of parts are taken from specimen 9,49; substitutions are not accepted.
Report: 7,34
